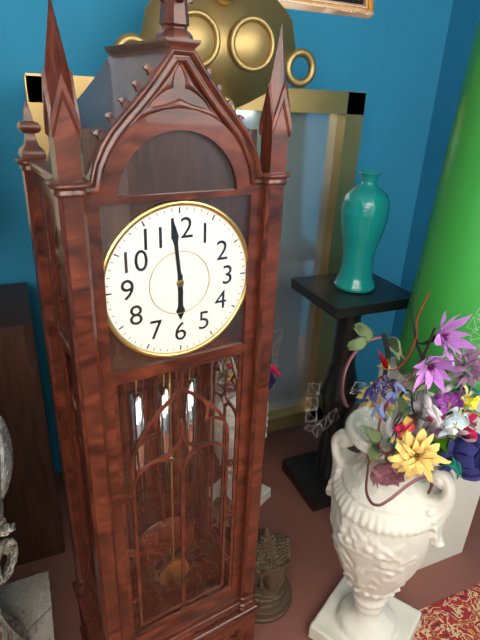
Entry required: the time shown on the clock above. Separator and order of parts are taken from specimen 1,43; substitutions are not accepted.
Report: 5,59
